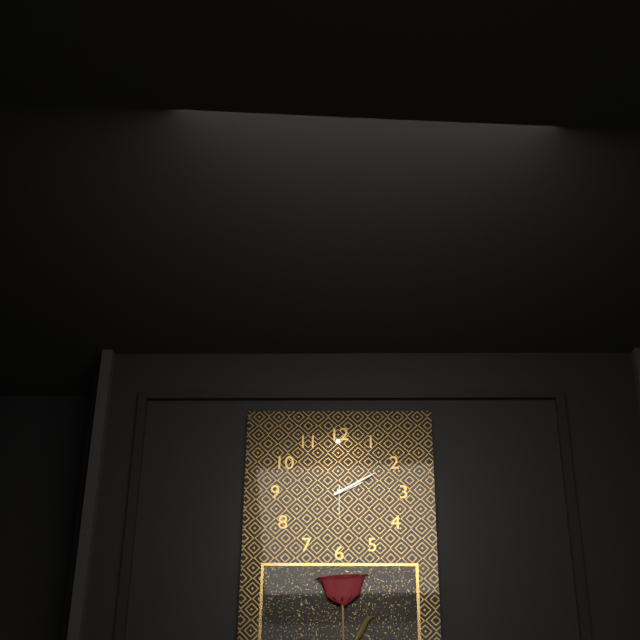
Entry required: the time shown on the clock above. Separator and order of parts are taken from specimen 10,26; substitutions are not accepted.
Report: 2,10
